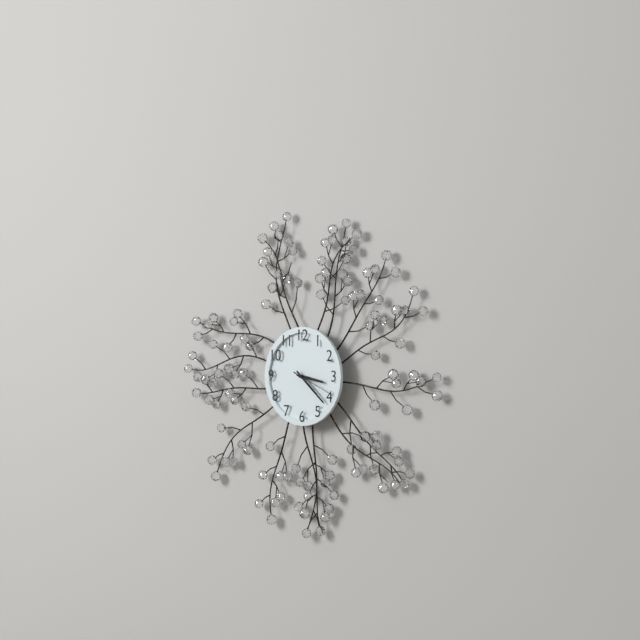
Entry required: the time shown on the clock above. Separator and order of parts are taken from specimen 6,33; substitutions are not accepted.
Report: 3,22
